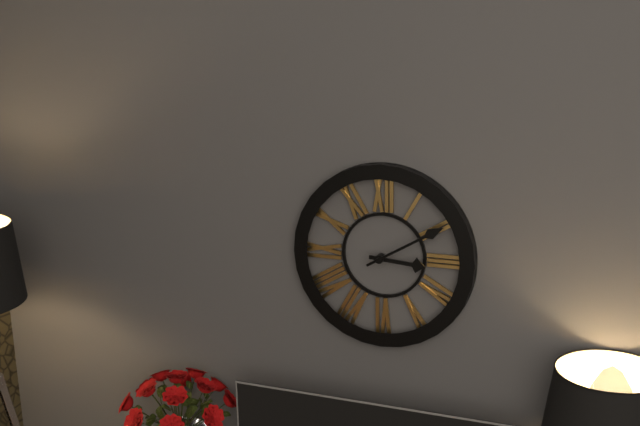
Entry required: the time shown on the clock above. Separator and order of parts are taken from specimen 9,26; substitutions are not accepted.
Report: 3,10
